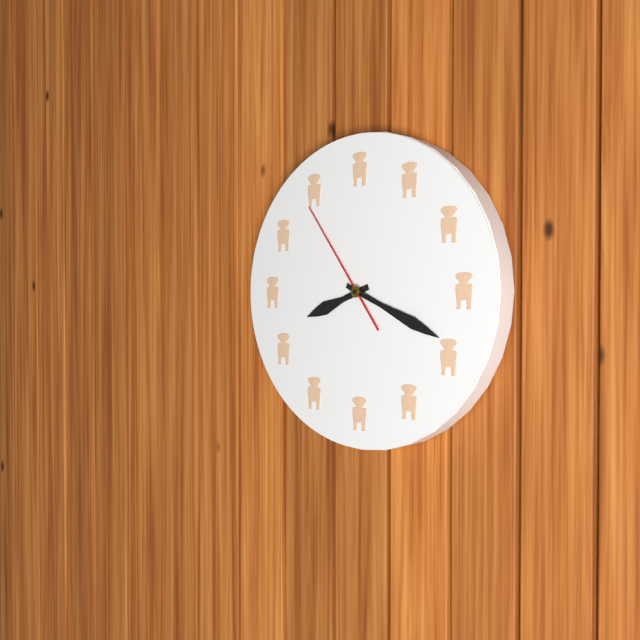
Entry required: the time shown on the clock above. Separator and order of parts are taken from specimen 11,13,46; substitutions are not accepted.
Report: 8,19,54
